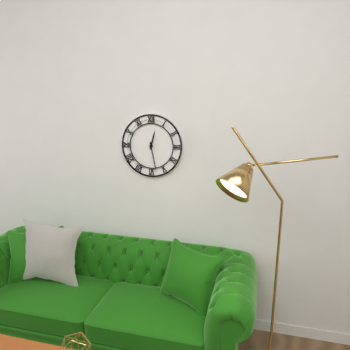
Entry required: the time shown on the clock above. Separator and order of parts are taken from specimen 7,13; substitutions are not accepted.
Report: 12,28
